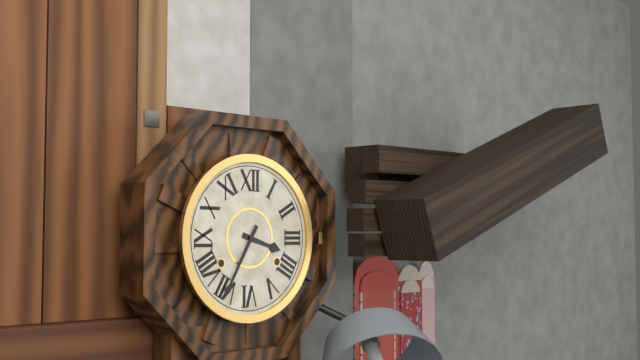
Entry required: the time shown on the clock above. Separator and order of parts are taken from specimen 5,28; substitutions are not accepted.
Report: 3,35
